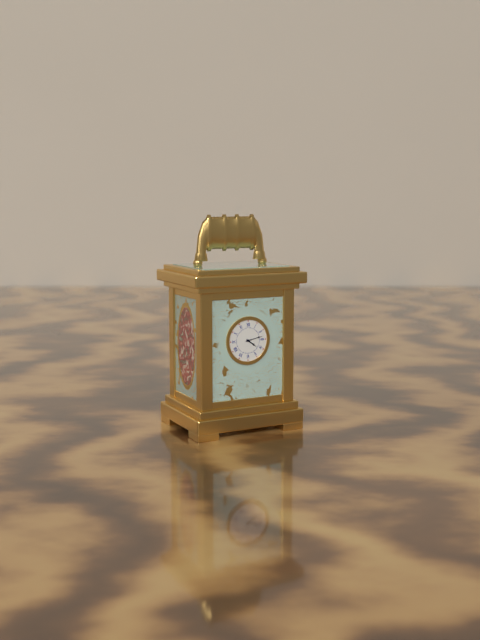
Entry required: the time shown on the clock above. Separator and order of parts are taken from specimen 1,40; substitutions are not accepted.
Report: 4,13
